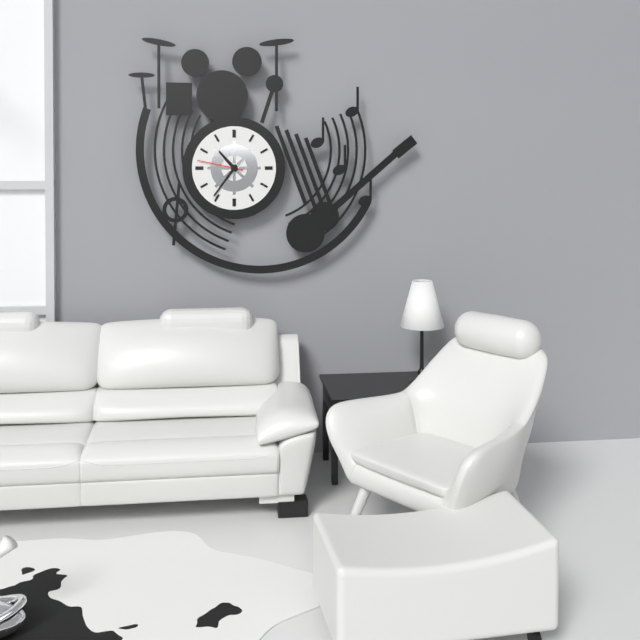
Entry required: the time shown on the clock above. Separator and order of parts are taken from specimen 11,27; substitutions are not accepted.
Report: 10,36
